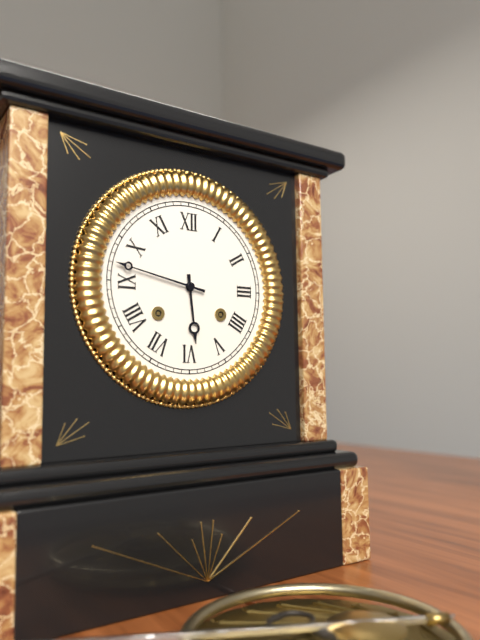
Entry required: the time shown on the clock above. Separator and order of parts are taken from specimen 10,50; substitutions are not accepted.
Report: 5,47
